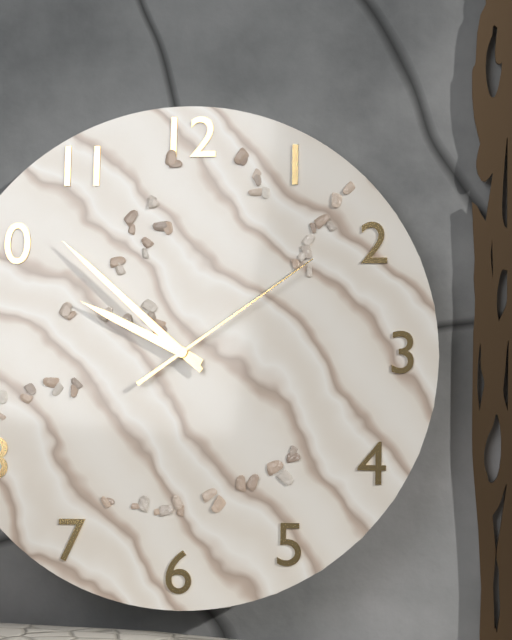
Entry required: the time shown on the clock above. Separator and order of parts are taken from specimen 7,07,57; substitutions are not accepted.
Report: 9,52,09
